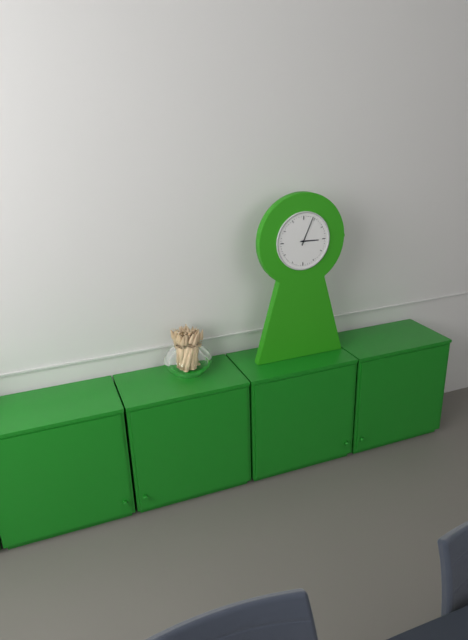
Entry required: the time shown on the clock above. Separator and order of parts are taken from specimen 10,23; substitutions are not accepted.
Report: 3,04
